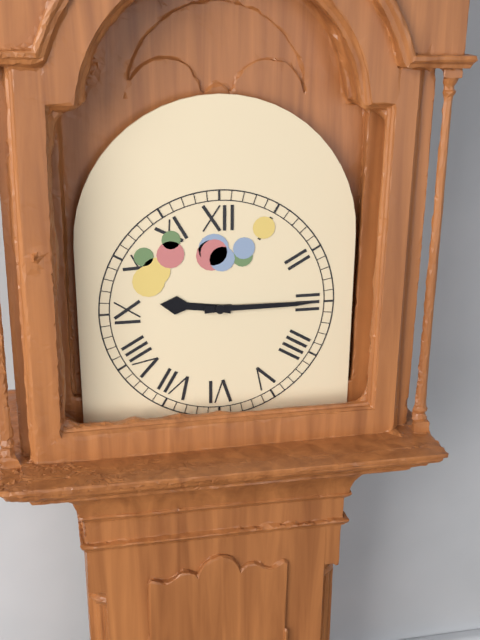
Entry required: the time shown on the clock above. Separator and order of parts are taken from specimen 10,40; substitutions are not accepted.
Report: 9,15
